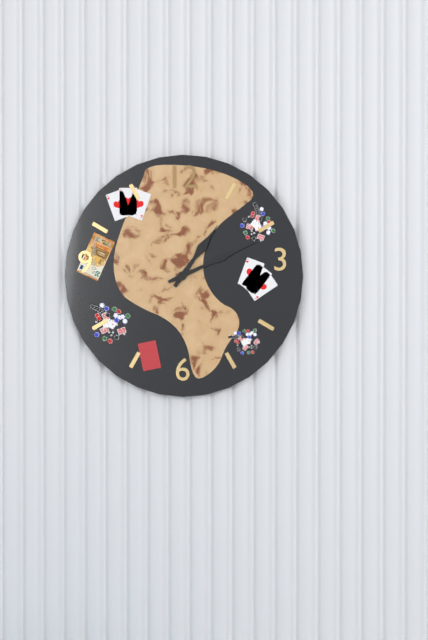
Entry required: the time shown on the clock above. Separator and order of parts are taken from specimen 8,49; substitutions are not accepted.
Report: 1,11
